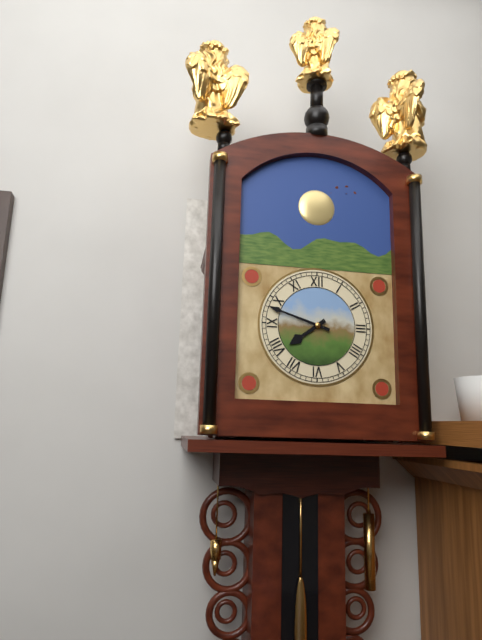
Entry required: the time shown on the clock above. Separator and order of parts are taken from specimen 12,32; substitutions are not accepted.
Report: 7,48
